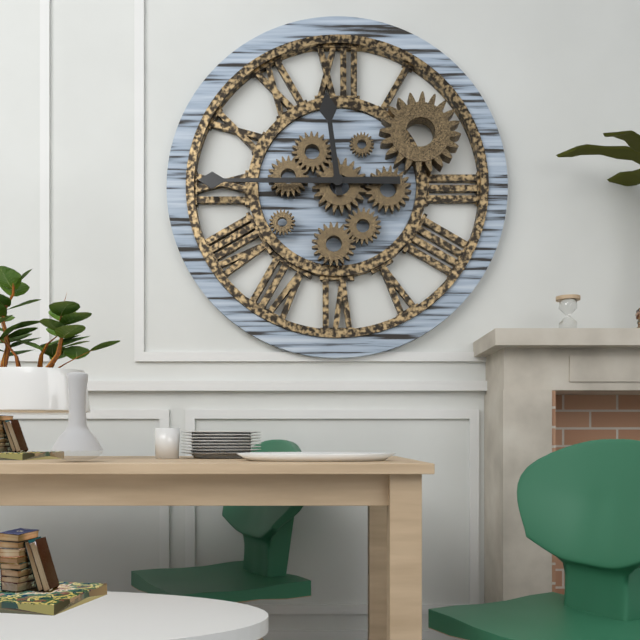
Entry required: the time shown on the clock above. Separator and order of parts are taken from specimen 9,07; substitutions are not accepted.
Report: 11,45
